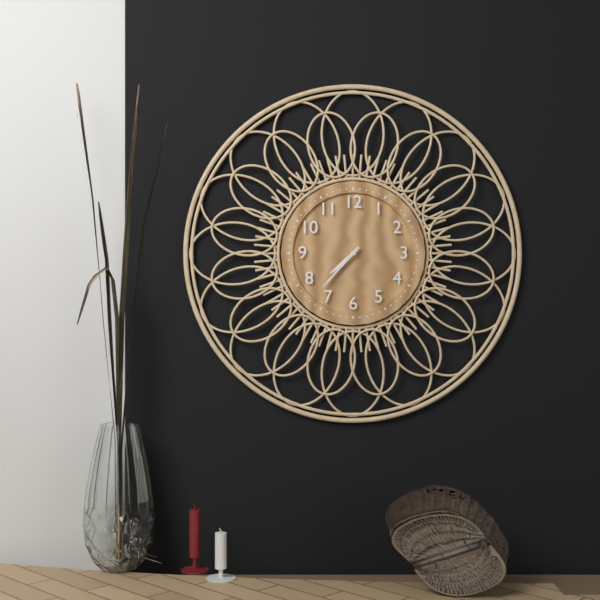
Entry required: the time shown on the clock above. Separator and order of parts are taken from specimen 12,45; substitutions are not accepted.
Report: 7,37
